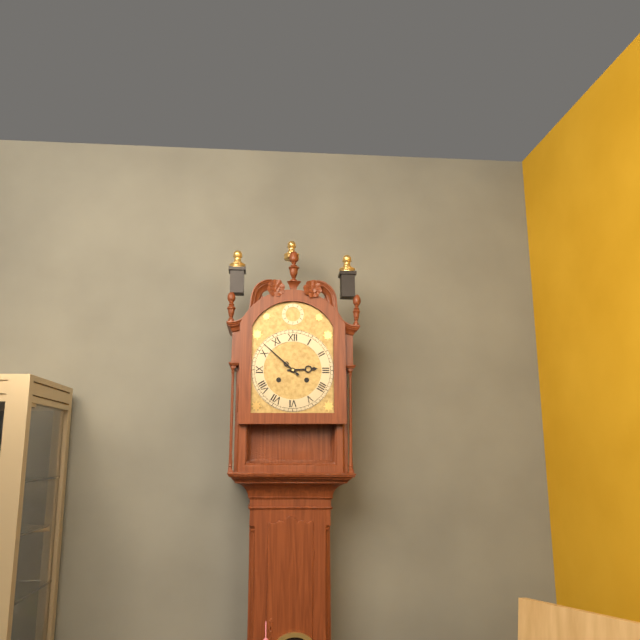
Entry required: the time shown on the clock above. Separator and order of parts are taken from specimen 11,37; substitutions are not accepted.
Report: 2,52
